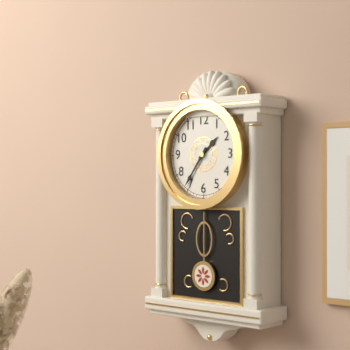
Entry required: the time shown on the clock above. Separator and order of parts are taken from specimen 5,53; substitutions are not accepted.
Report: 1,36
